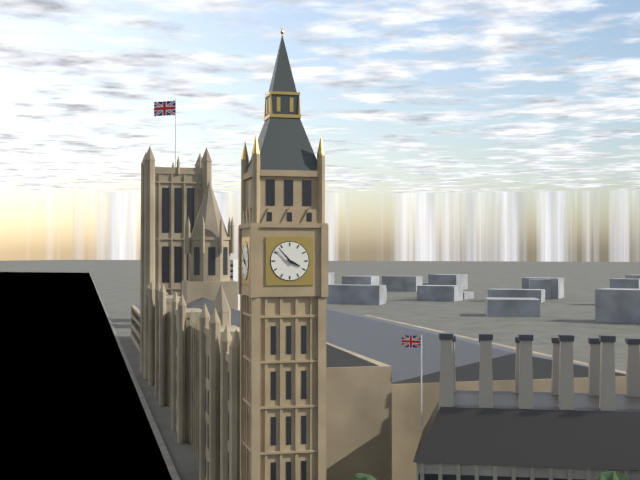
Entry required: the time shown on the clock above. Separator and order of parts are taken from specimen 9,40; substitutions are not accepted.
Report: 3,53
